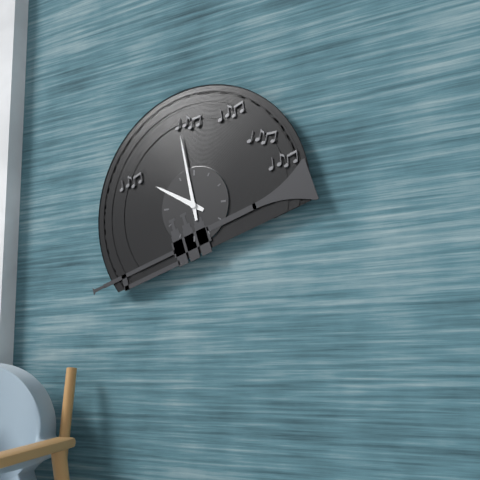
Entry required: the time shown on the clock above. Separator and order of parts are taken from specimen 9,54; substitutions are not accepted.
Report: 9,58
